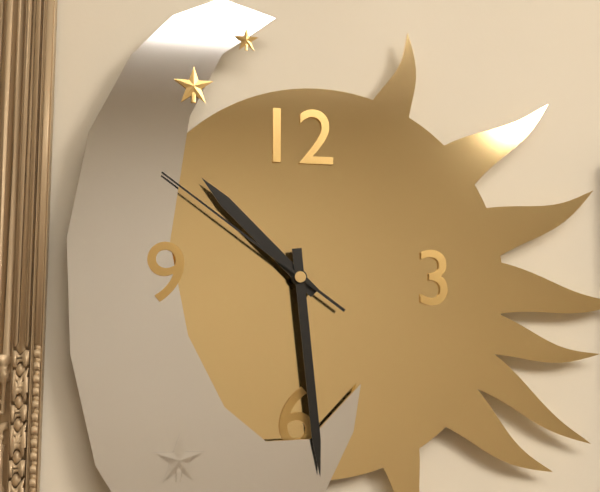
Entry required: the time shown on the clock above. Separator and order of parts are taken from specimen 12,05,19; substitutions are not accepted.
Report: 10,29,51
